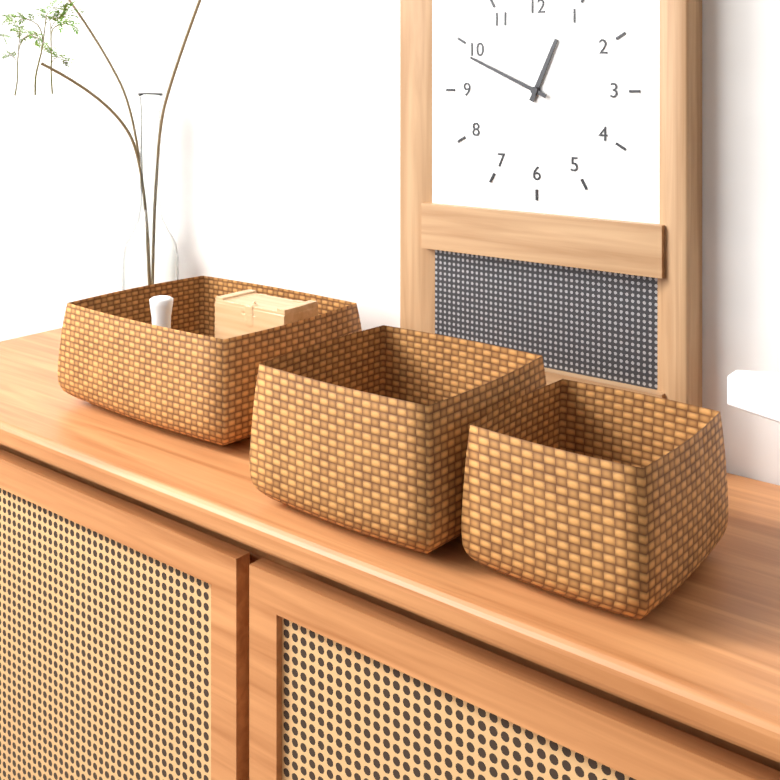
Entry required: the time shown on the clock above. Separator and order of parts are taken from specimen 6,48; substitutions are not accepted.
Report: 12,49
